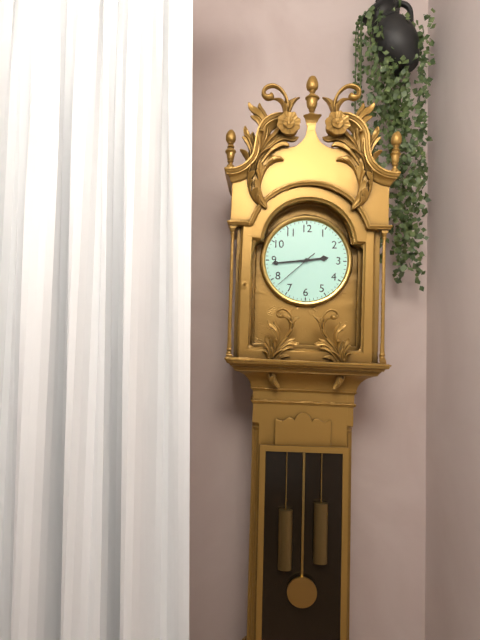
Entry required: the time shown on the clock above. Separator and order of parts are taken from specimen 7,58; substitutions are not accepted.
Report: 2,44
